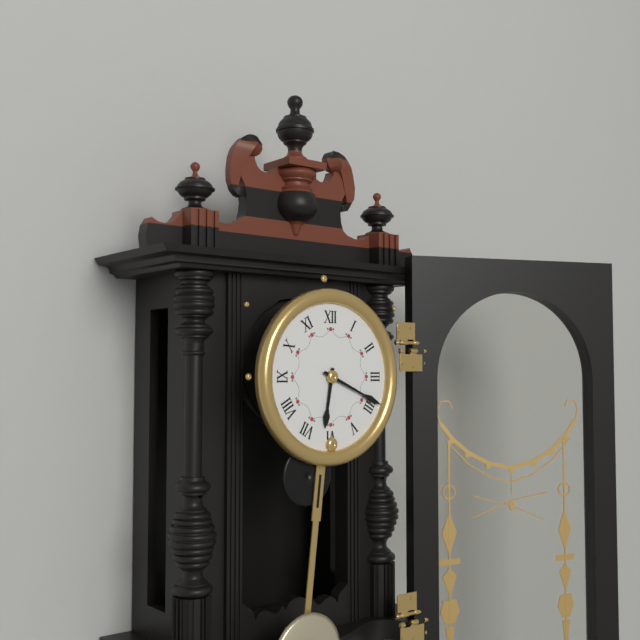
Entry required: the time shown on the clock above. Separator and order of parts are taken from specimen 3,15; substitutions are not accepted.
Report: 6,19
